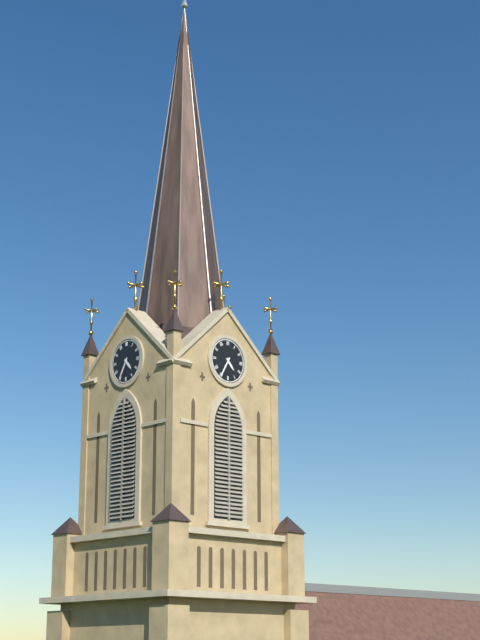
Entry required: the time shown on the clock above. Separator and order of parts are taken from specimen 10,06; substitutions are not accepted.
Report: 4,35
